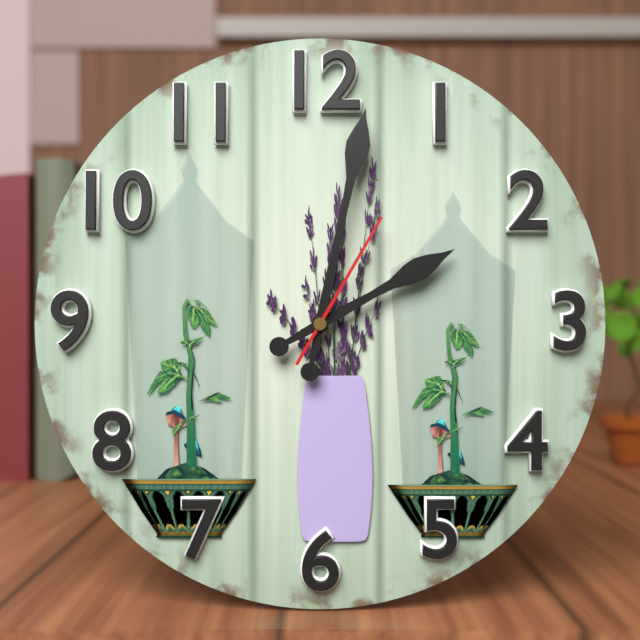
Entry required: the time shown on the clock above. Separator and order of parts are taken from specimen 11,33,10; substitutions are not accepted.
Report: 2,02,05
